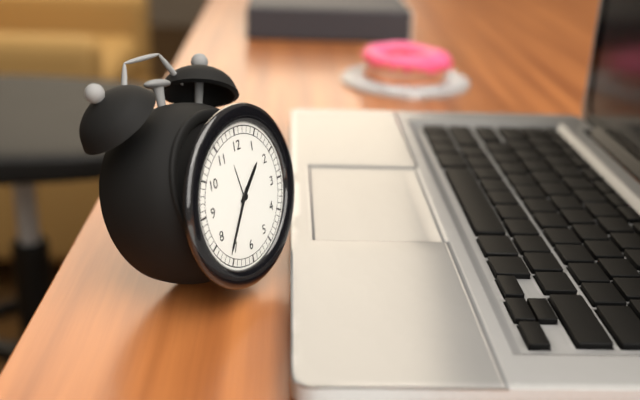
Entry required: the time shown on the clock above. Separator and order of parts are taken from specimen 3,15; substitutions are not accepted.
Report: 1,36
